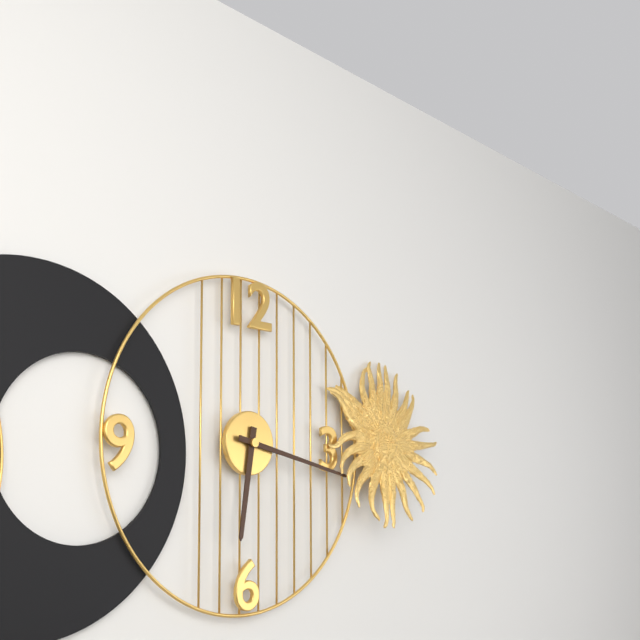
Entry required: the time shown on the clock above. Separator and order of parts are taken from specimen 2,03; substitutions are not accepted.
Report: 6,17
